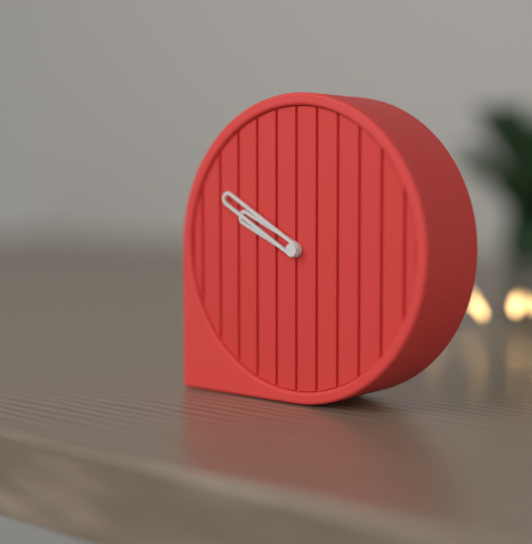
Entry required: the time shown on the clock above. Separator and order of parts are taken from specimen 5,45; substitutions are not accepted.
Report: 9,50
